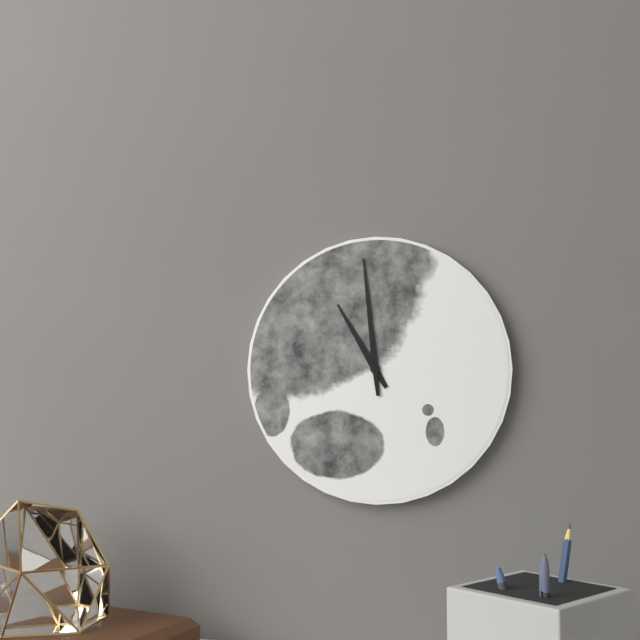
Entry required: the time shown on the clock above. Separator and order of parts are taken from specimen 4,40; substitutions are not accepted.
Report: 10,59
